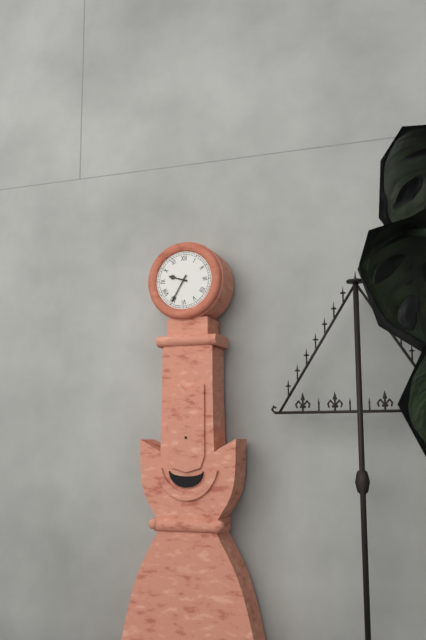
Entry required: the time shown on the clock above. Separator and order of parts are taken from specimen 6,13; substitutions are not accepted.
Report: 9,35
